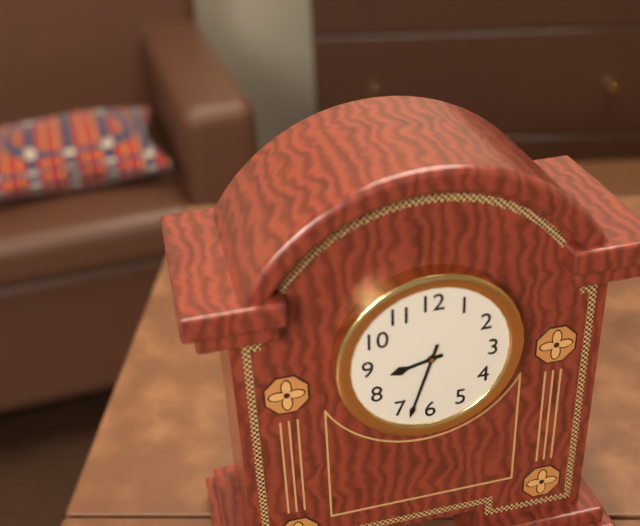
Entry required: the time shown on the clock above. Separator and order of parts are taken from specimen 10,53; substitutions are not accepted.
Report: 8,33
